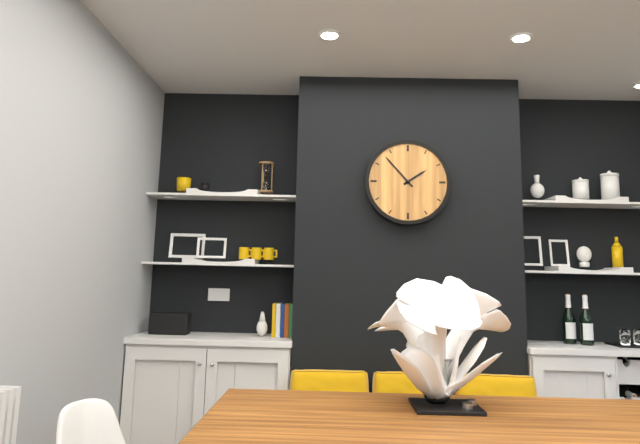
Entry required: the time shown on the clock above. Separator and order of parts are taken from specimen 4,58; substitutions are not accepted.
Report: 1,53
